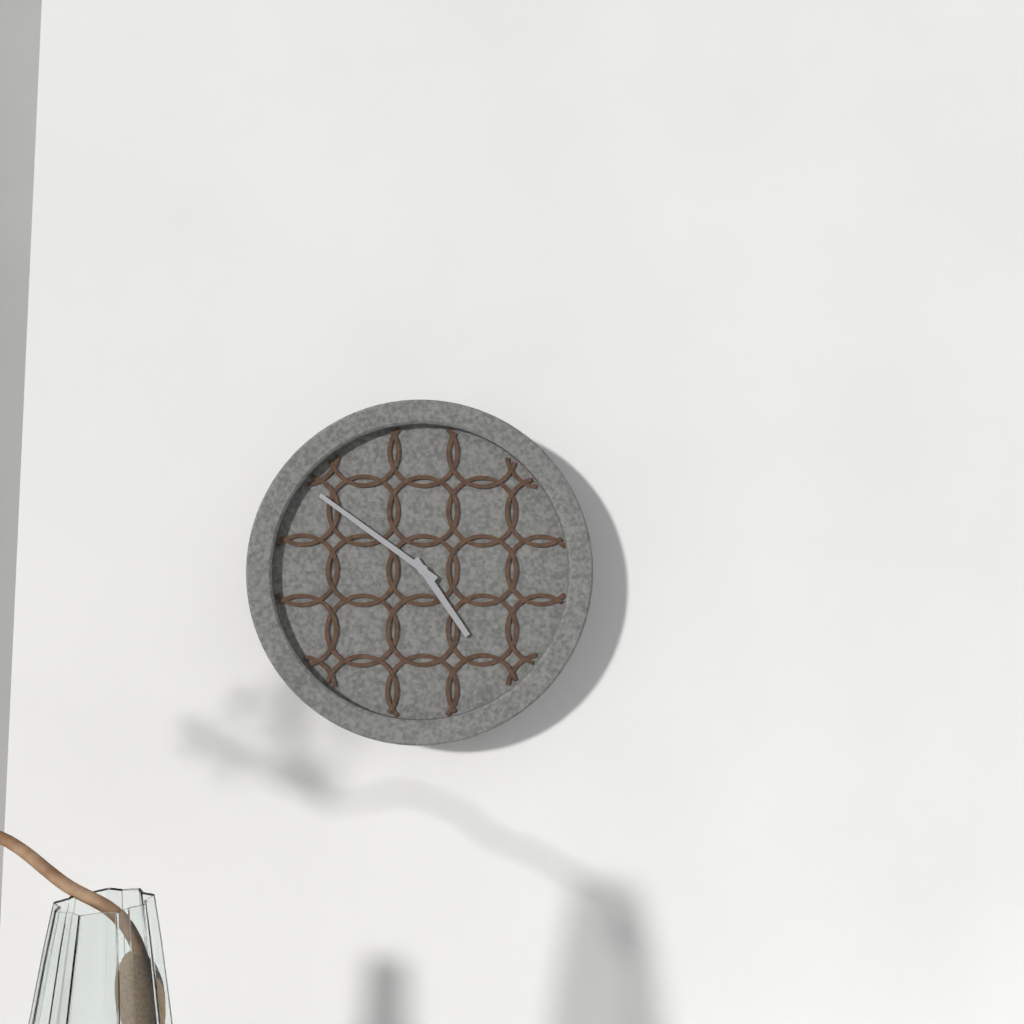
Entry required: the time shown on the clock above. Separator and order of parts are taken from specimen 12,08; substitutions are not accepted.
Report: 4,51
